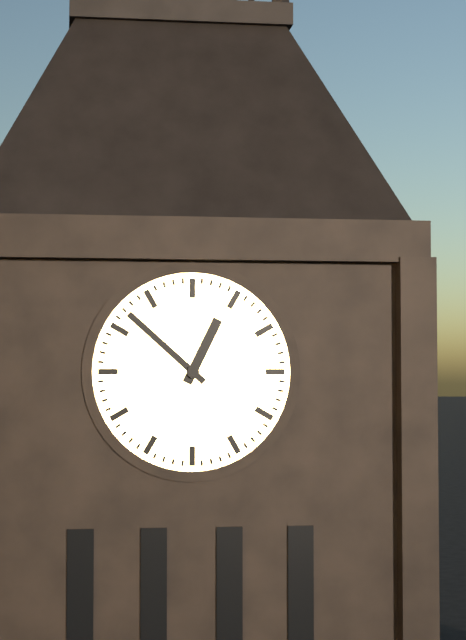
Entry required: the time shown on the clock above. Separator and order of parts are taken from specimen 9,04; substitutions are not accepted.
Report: 12,52
